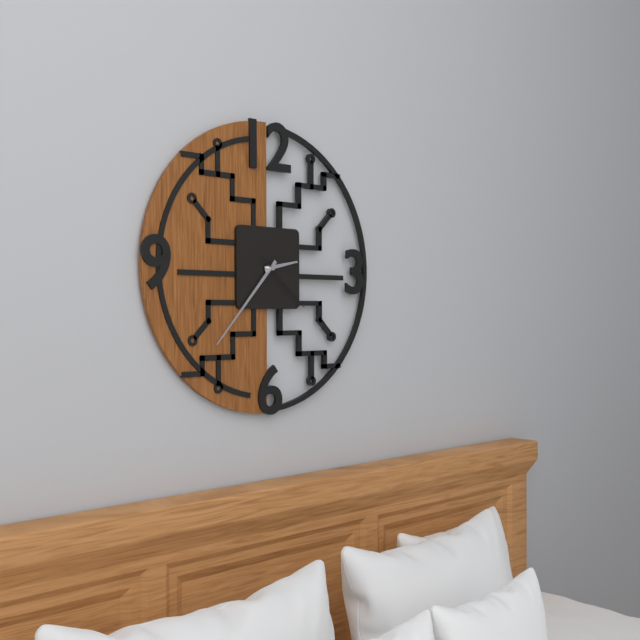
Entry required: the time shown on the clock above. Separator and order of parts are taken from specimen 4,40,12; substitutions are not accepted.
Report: 2,37,22
